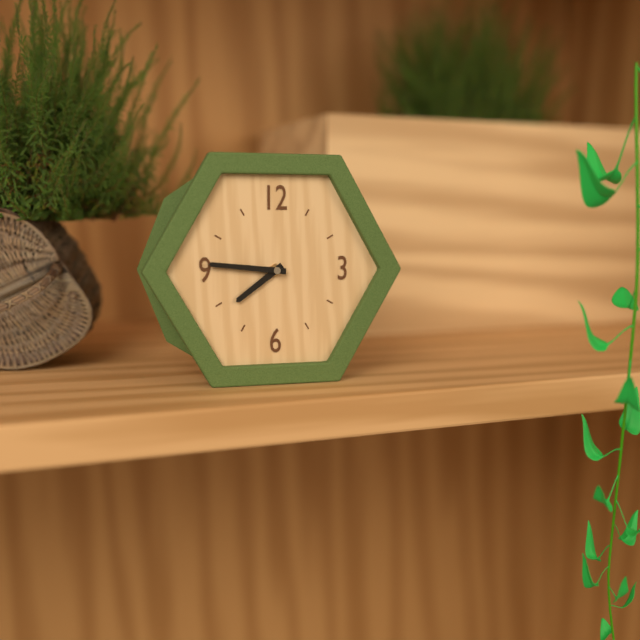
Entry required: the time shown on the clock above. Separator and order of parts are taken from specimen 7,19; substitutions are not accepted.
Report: 7,46
